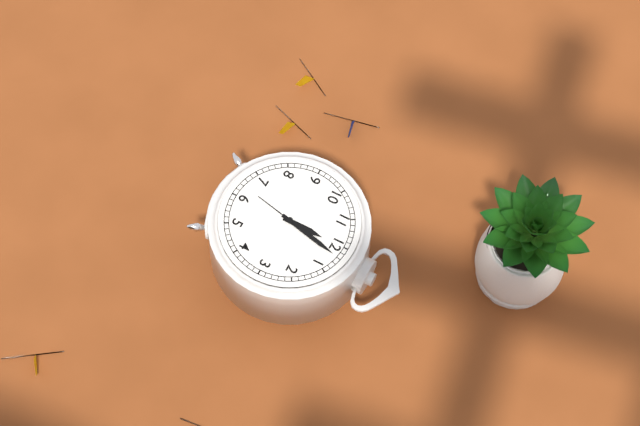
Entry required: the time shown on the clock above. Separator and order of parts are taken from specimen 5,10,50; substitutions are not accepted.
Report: 12,02,32
